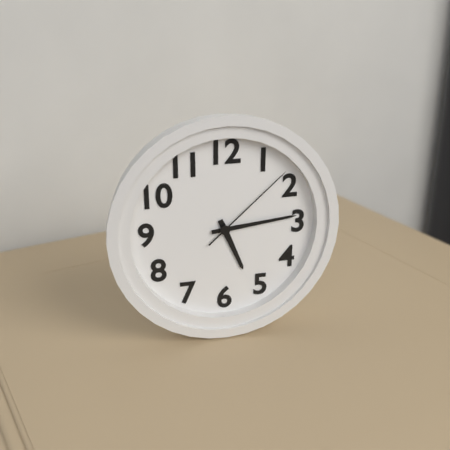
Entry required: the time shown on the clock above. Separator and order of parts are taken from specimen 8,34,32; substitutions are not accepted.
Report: 5,14,08
